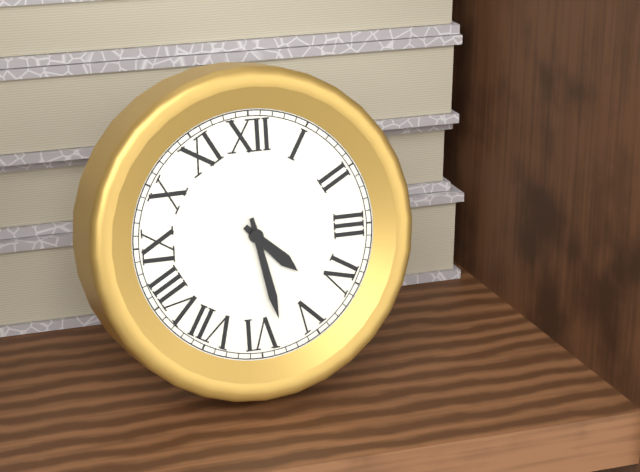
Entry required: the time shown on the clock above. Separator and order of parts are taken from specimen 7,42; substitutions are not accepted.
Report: 4,28
